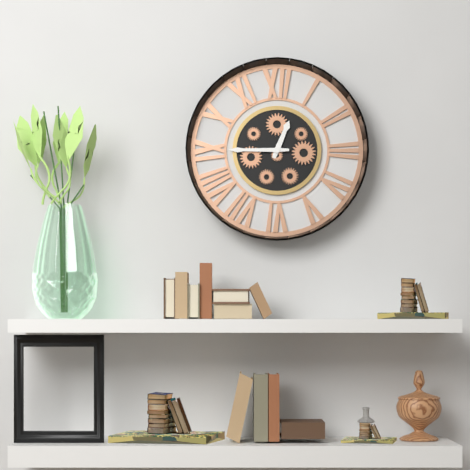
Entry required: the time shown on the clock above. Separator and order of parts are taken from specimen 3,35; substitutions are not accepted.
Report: 12,45
